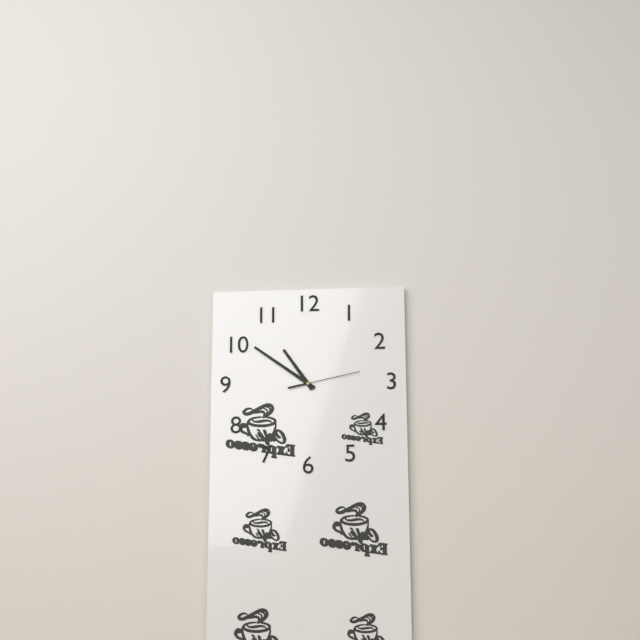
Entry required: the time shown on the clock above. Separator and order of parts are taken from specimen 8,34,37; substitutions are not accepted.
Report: 10,51,13
